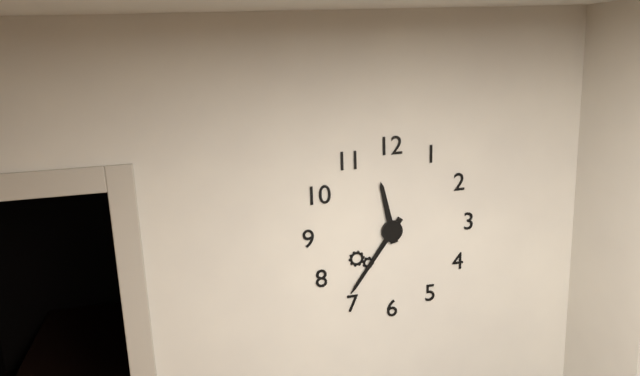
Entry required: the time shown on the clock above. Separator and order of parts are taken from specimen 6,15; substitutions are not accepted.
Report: 11,36
